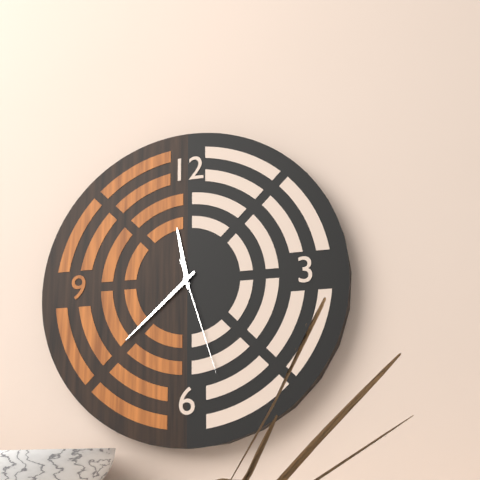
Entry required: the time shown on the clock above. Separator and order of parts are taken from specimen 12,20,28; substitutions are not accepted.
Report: 11,38,27
